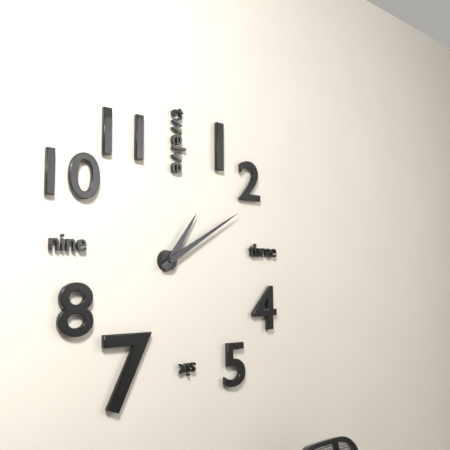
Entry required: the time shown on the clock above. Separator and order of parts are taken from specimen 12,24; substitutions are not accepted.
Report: 1,10
